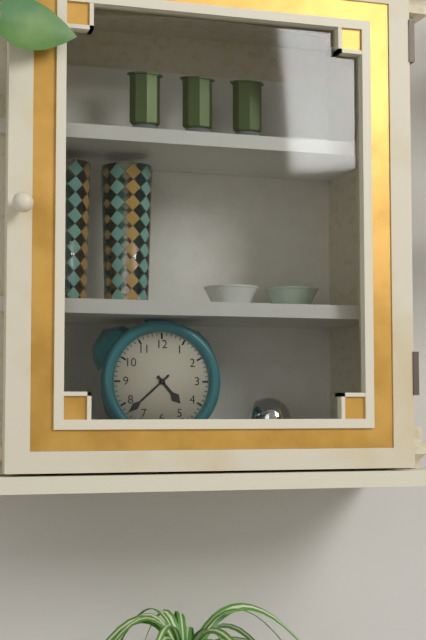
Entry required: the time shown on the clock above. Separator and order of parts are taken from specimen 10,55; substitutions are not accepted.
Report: 4,38
